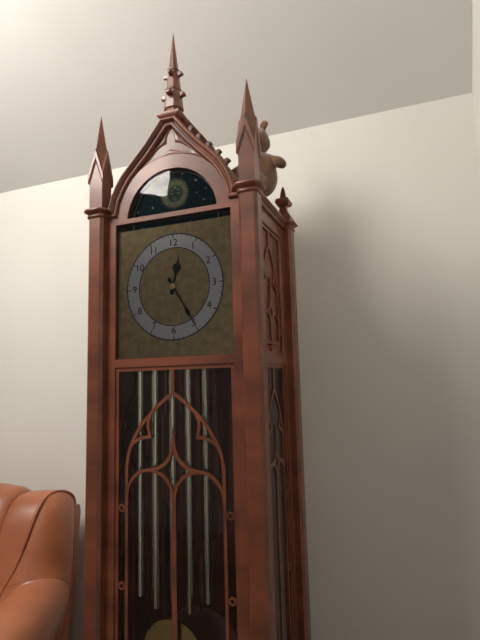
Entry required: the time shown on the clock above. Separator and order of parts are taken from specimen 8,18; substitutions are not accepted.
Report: 12,25
